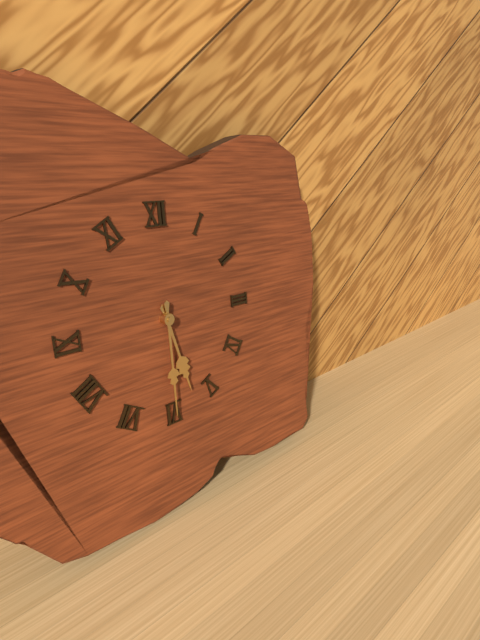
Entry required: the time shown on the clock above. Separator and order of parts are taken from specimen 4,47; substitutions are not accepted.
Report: 5,30
